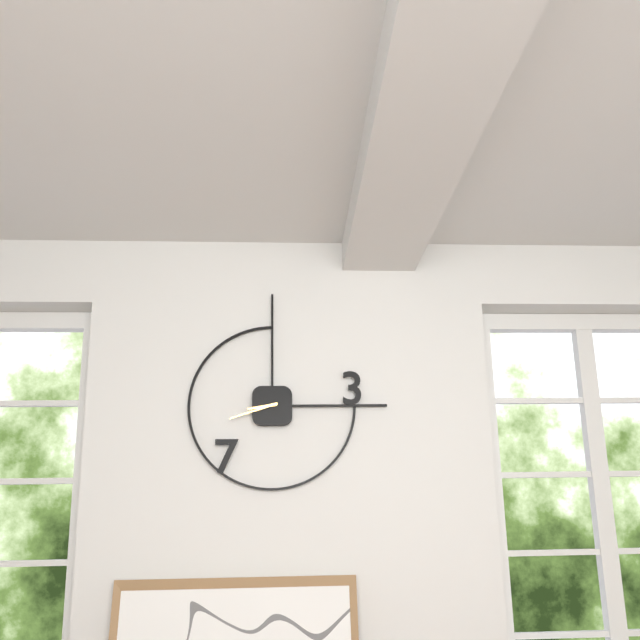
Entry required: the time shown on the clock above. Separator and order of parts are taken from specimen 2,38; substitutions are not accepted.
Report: 8,42
